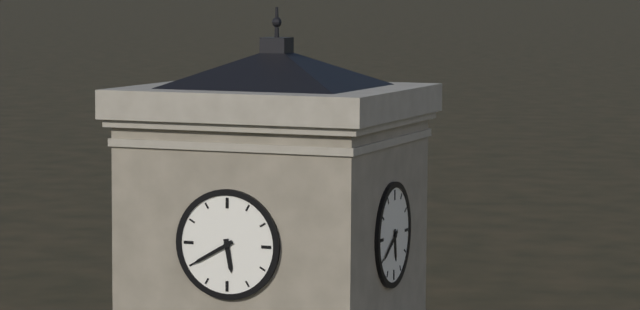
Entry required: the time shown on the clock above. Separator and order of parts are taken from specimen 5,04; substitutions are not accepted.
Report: 5,40
